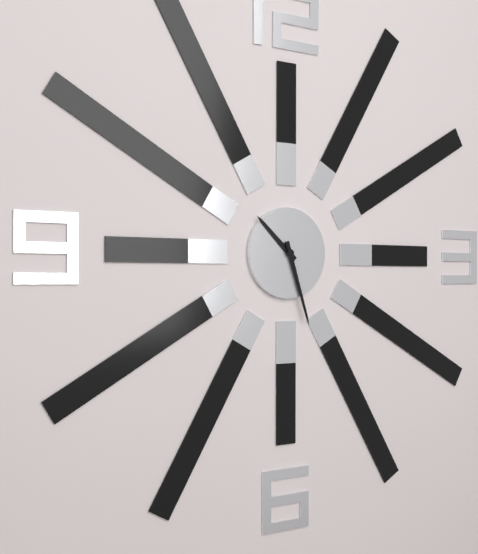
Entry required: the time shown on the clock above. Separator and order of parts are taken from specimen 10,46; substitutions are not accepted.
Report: 10,27
